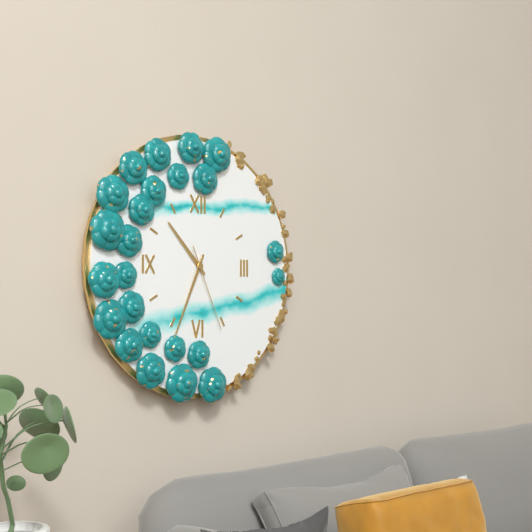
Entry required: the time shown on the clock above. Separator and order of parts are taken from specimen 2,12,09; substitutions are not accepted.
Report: 10,34,26
